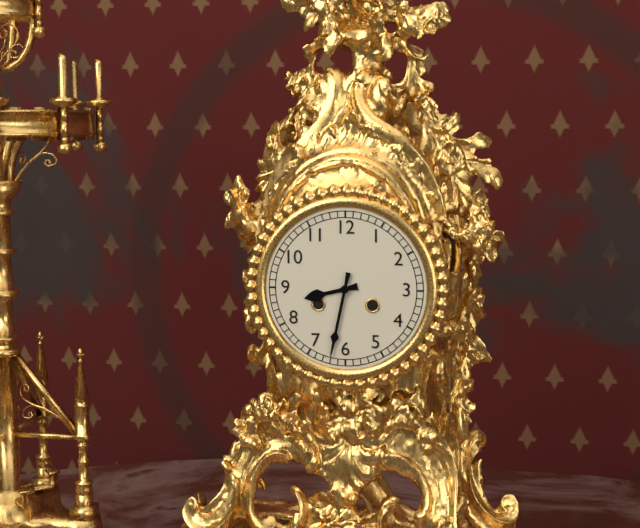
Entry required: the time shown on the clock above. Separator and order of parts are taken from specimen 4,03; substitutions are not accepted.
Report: 8,32
